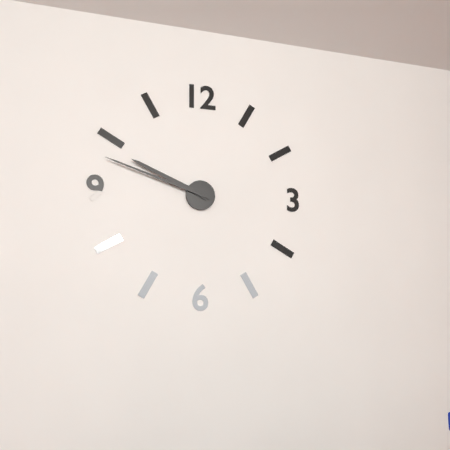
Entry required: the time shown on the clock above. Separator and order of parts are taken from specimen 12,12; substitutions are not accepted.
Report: 9,48
